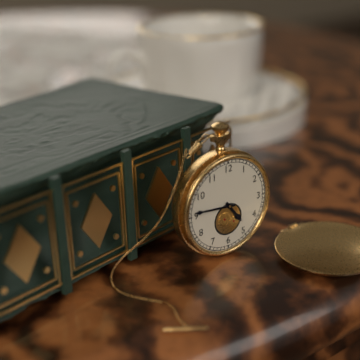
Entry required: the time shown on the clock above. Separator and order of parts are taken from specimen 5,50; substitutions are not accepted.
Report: 4,46
